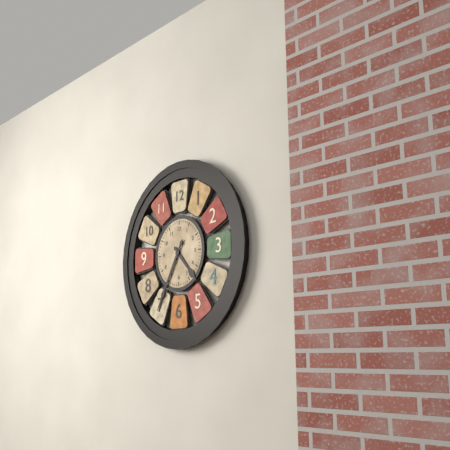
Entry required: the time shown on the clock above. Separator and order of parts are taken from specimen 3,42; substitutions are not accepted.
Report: 4,35
